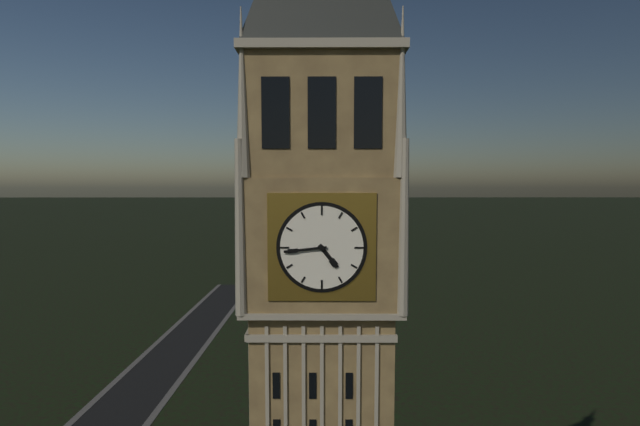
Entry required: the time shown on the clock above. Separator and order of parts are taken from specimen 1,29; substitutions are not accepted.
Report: 4,44
